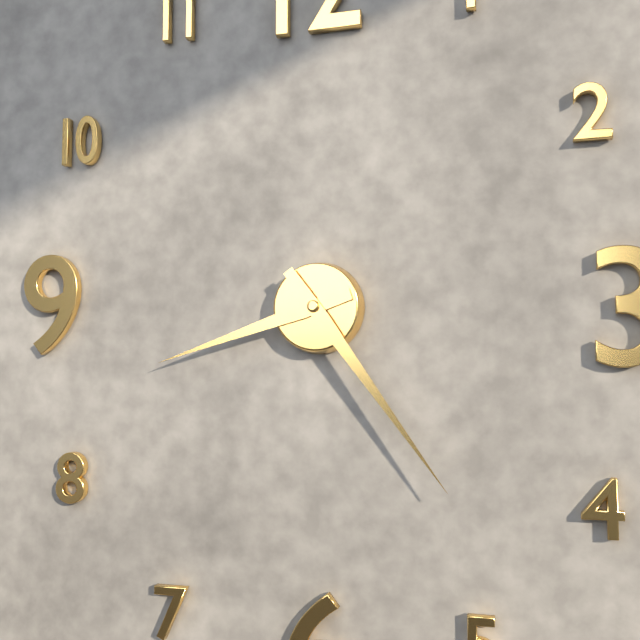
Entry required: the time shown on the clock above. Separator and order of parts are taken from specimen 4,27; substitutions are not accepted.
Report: 8,24
